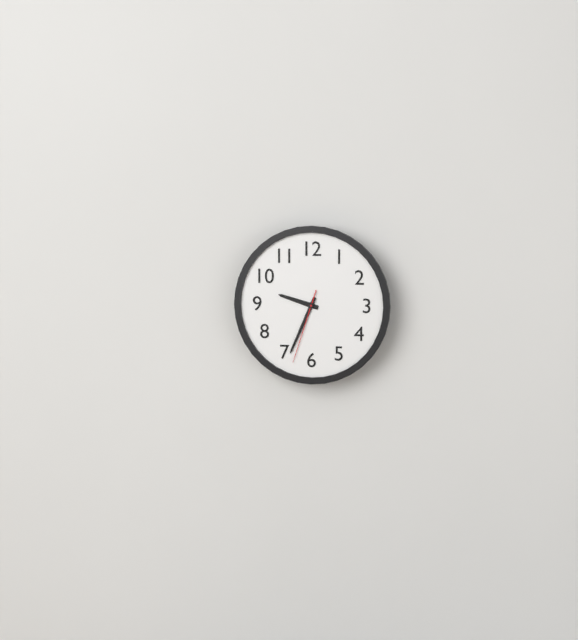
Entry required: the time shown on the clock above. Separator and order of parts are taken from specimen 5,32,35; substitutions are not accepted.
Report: 9,34,33
